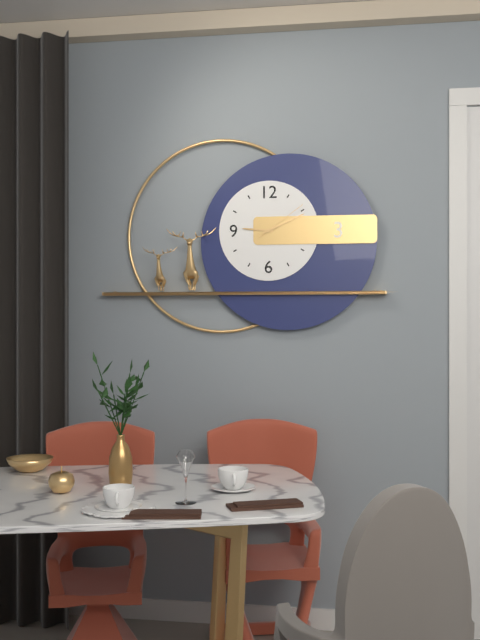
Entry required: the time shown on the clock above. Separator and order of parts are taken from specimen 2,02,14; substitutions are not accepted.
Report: 9,11,09
